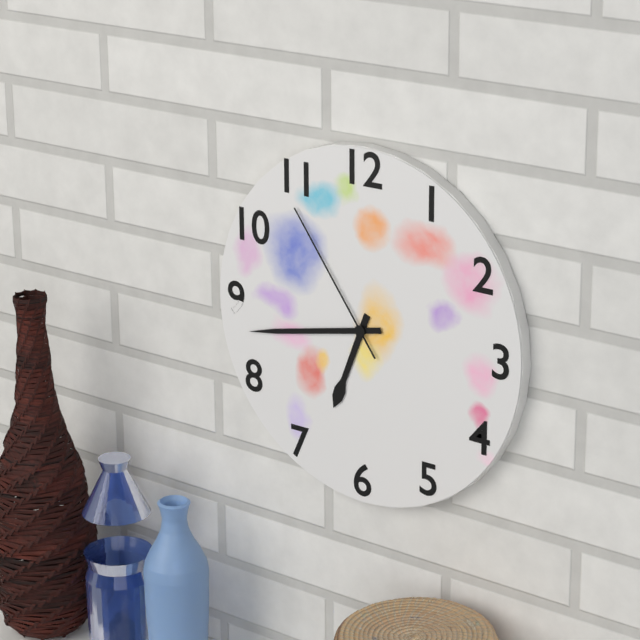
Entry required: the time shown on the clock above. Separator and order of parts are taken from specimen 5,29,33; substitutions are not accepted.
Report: 6,43,54
